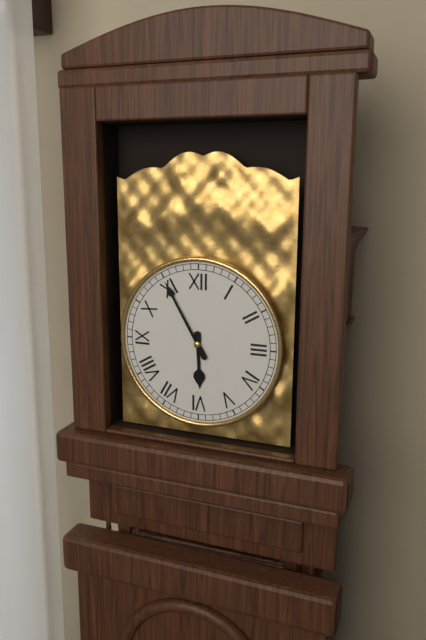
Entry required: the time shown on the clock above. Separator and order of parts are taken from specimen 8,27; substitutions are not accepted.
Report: 5,55
